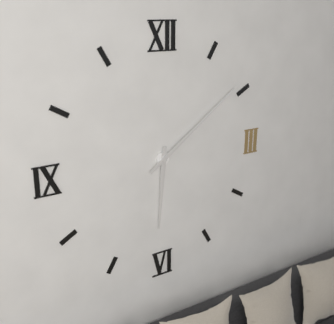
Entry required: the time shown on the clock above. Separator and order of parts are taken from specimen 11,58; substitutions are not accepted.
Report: 6,09
